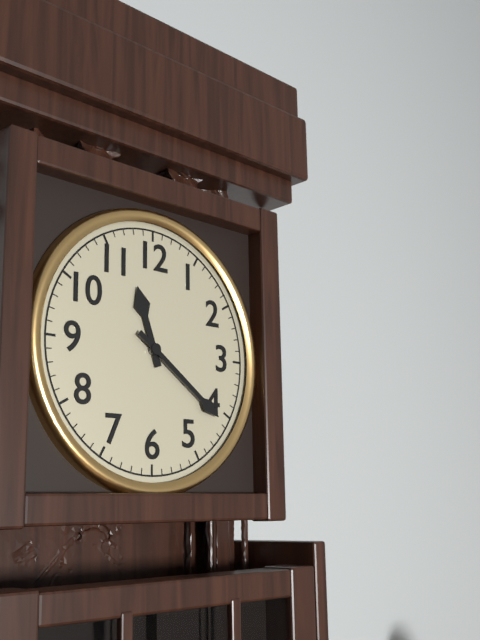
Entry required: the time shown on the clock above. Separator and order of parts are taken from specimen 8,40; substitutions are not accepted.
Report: 11,21
